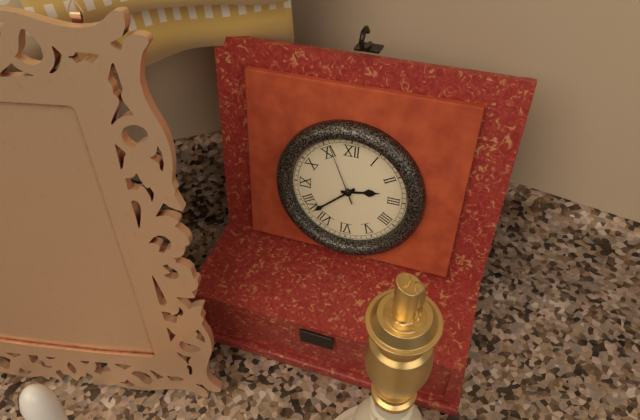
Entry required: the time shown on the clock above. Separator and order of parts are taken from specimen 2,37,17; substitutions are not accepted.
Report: 2,38,56
